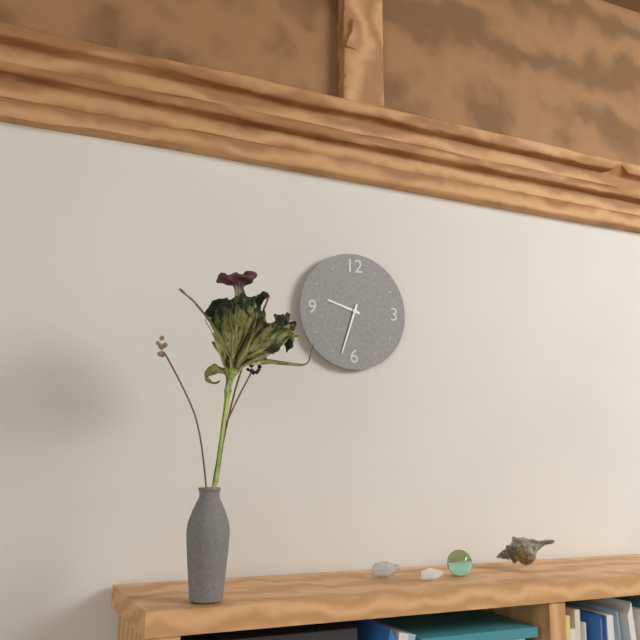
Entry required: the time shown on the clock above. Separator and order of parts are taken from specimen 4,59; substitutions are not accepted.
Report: 9,33
